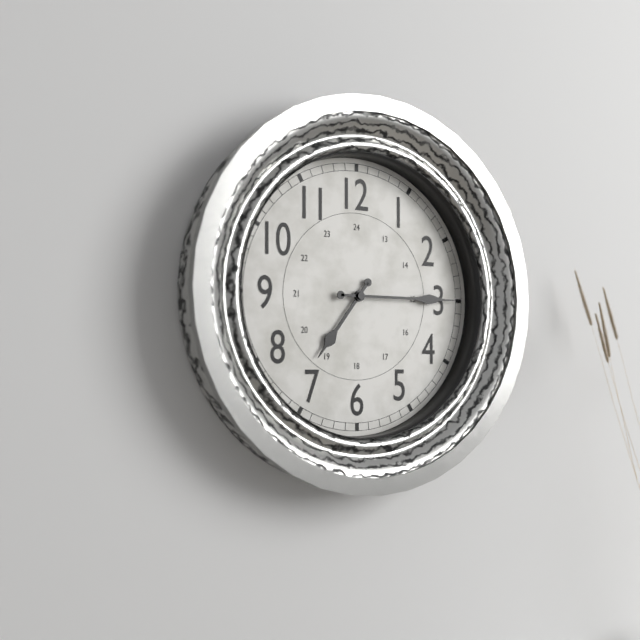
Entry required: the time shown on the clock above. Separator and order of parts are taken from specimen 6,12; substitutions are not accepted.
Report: 7,15
